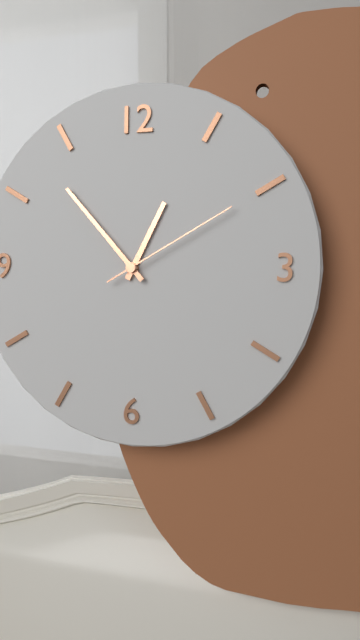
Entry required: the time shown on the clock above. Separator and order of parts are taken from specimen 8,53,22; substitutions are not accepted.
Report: 12,53,10
